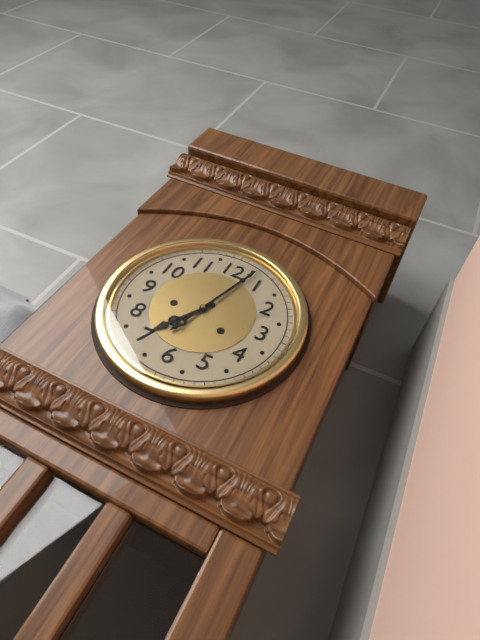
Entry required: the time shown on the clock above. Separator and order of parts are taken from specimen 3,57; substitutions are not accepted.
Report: 7,03
